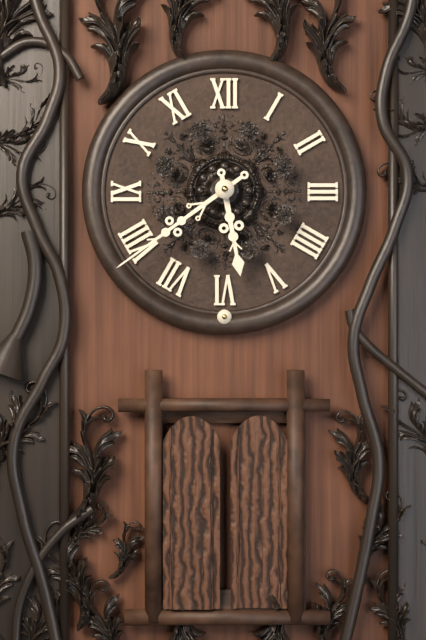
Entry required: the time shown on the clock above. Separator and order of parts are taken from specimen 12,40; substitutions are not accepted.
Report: 5,39
